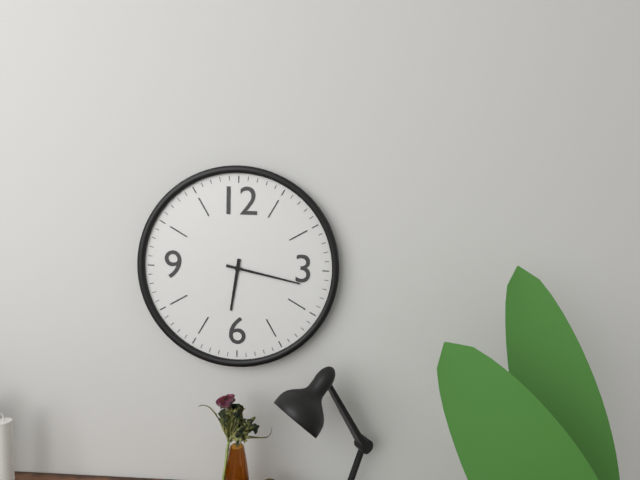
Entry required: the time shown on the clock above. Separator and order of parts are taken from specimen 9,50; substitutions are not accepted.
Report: 6,17
